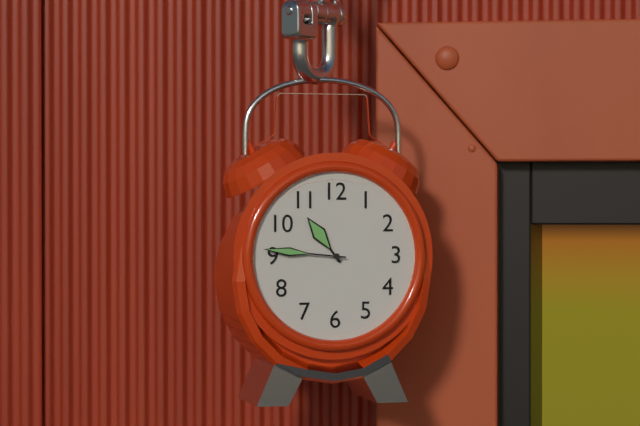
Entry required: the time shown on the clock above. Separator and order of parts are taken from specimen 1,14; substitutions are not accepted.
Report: 10,46
